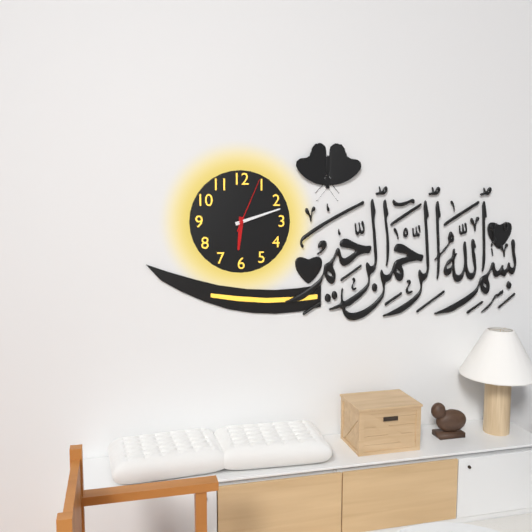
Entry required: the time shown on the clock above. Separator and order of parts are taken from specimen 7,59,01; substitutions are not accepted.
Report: 6,12,04
